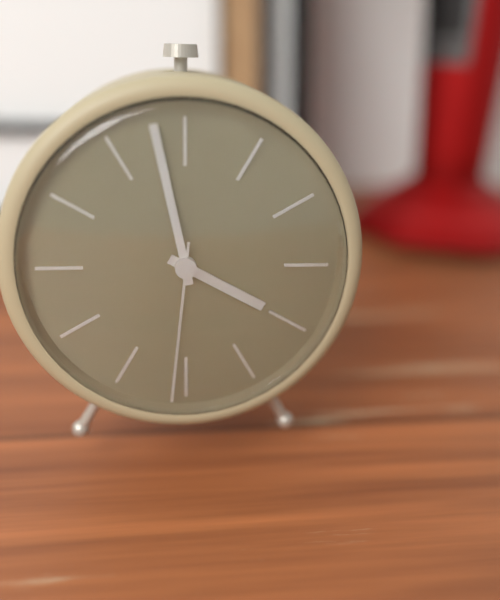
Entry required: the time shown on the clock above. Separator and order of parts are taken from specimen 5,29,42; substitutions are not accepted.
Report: 3,58,31
